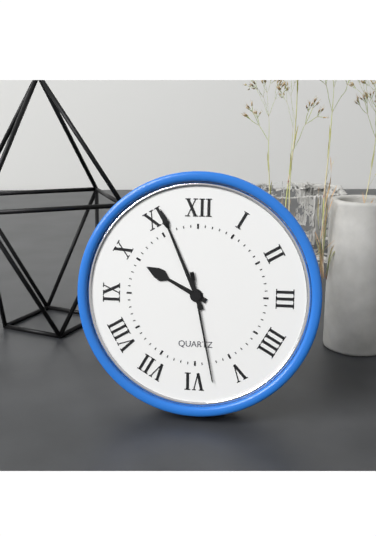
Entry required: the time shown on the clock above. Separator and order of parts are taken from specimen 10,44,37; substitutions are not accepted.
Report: 9,56,28
